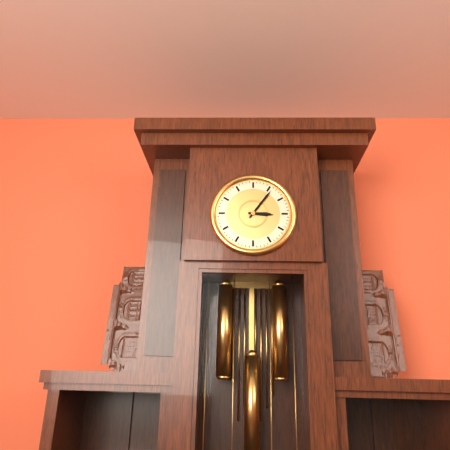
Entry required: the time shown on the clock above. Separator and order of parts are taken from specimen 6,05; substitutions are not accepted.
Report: 3,06
